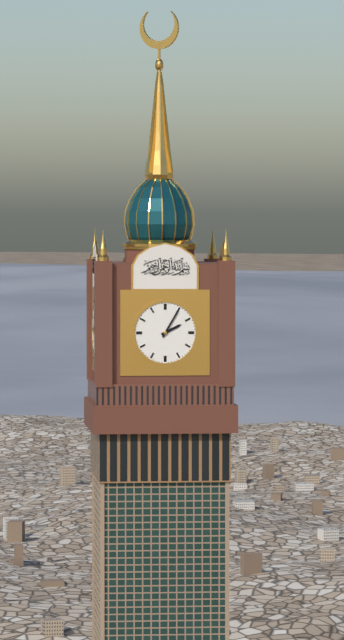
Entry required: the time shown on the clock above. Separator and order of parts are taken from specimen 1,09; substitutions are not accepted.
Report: 2,05
